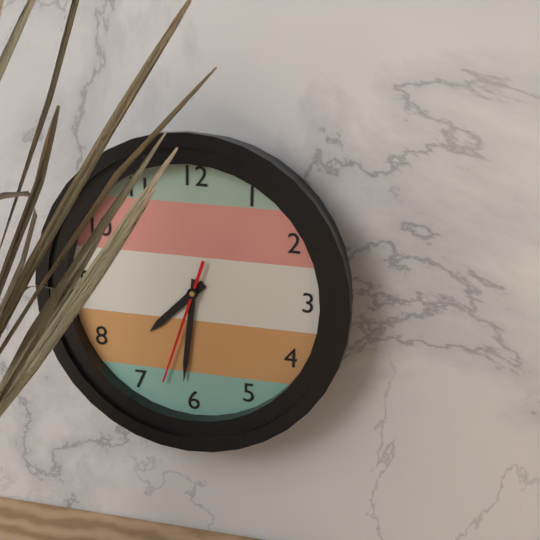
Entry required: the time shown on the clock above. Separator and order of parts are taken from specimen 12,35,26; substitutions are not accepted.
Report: 7,31,33
